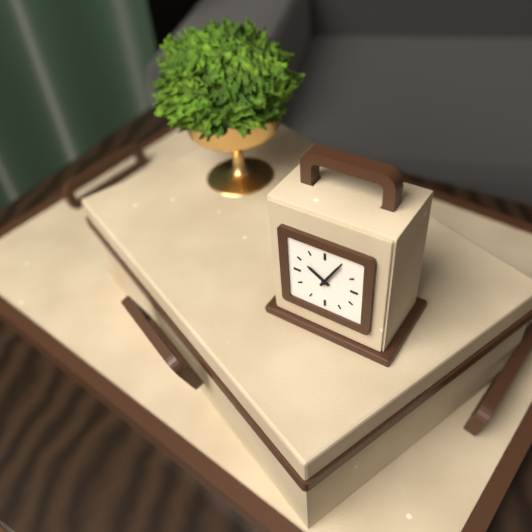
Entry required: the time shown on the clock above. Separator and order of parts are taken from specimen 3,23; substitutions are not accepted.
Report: 10,05
